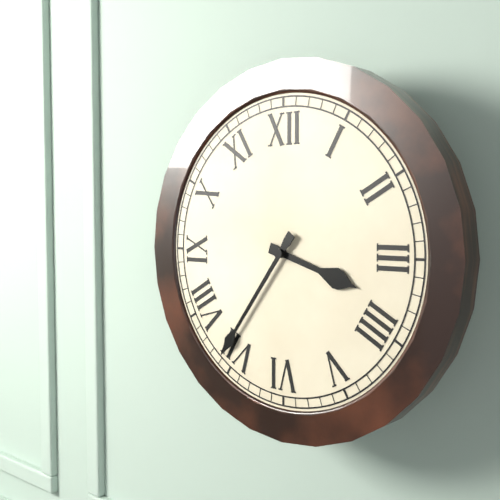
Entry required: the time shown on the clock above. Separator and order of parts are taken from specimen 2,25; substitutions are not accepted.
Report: 3,36
